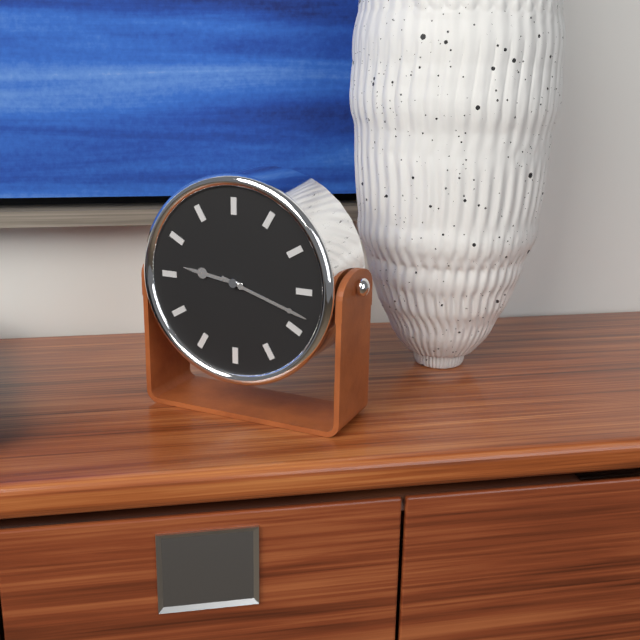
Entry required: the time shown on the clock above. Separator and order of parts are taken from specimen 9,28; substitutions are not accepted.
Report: 9,18
